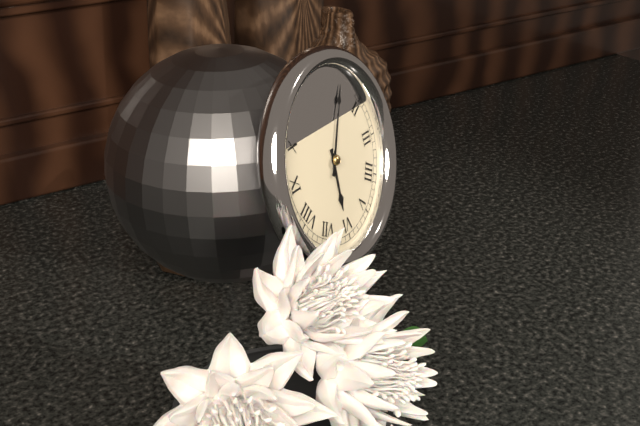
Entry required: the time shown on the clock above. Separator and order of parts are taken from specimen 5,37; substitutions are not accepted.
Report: 6,05
